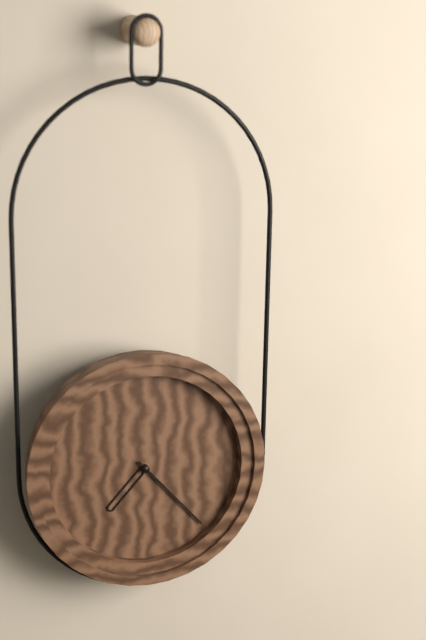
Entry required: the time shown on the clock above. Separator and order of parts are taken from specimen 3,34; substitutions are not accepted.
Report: 7,23
